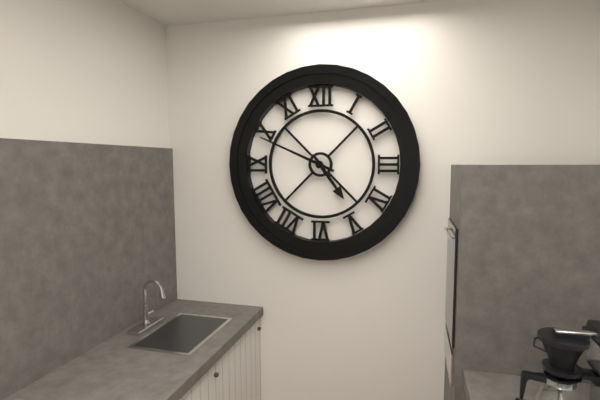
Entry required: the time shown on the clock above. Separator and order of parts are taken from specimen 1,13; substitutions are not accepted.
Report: 4,49
